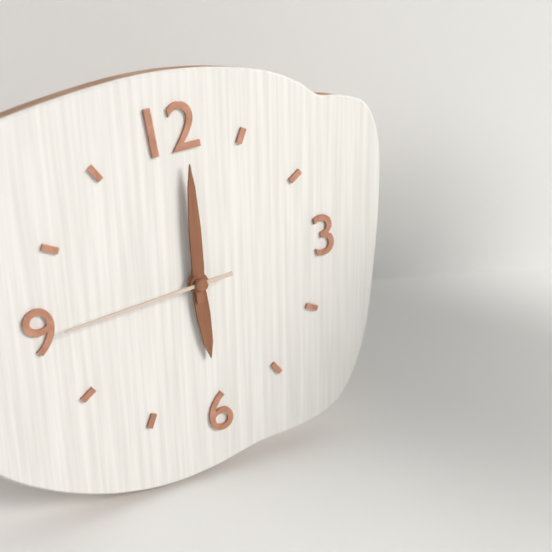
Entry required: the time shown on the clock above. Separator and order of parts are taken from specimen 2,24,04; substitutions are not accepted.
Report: 6,01,45
